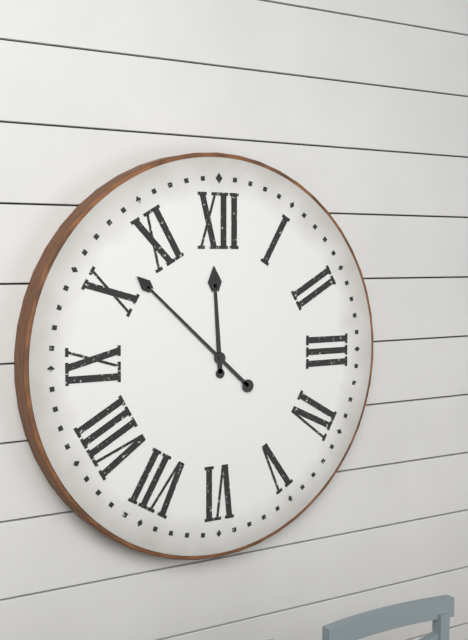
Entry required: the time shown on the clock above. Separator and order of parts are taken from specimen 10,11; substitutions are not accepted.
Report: 11,52
